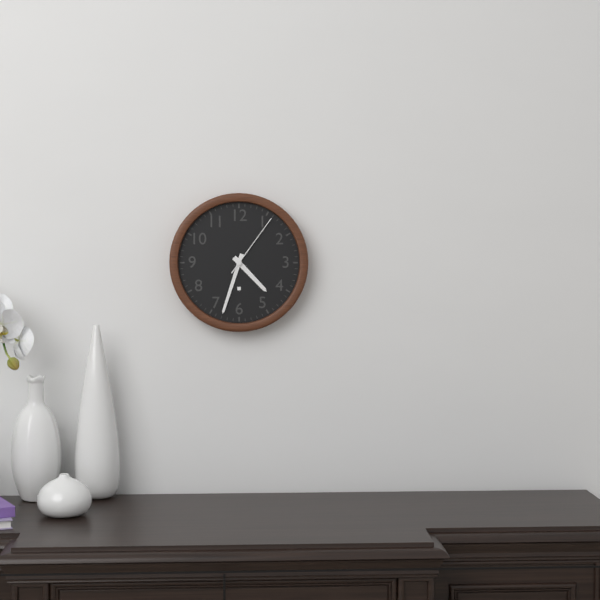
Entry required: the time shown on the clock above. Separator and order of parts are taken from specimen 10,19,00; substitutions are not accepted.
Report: 4,33,06
